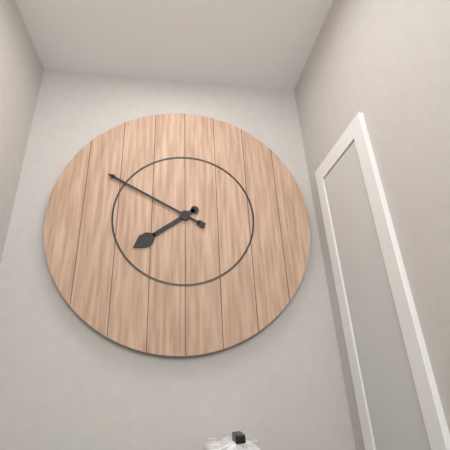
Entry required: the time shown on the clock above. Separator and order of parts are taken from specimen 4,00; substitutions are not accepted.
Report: 7,50
